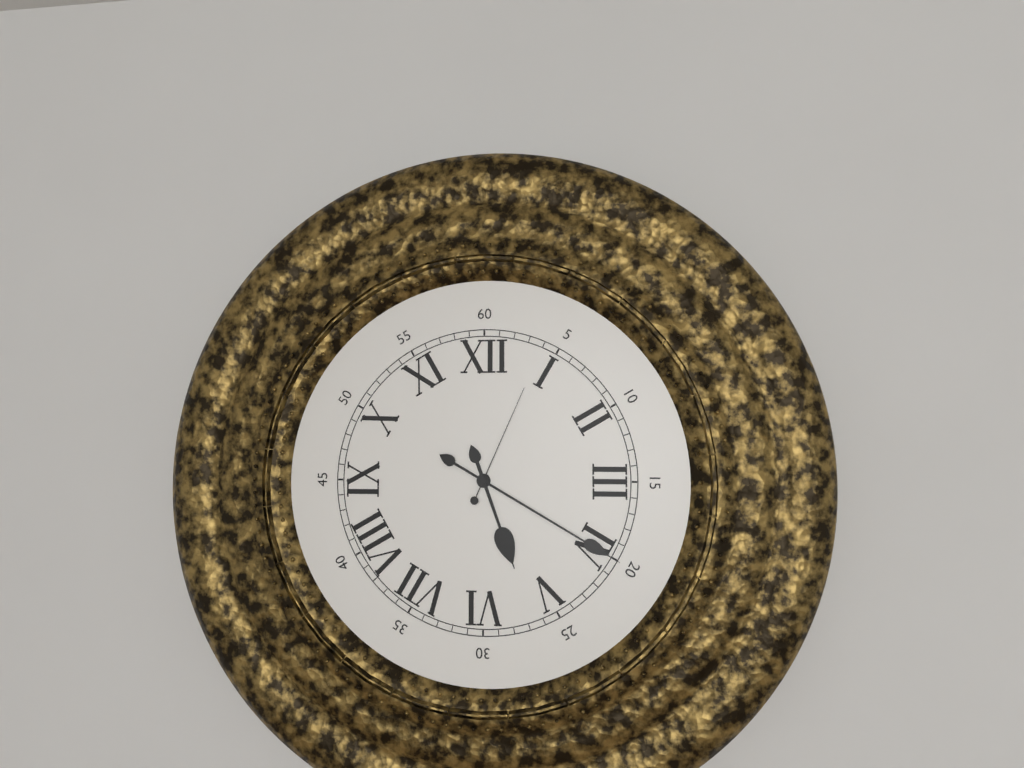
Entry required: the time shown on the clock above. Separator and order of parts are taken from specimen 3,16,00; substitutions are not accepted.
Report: 5,20,04
